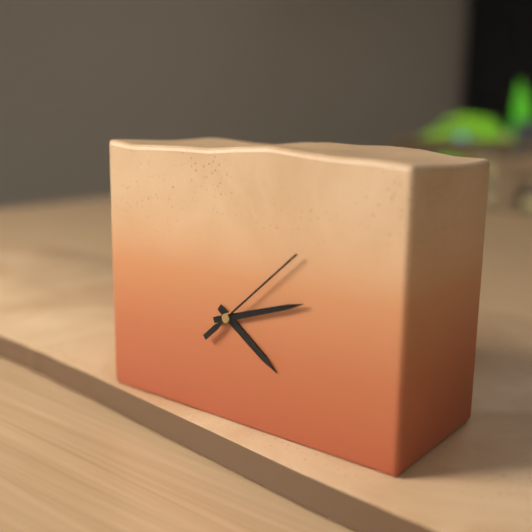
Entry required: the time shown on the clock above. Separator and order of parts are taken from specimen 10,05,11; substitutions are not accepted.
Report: 4,12,08
